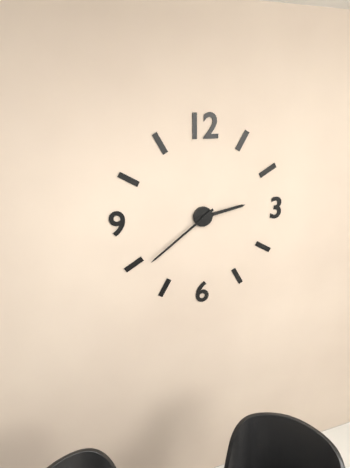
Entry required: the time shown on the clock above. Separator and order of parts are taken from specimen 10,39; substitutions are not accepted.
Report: 2,39
